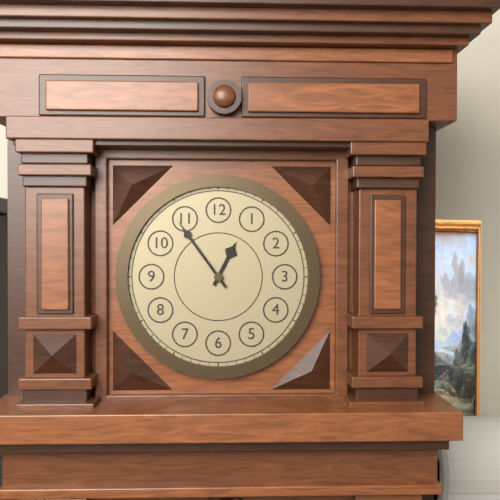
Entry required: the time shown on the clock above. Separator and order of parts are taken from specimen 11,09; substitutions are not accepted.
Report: 12,54
